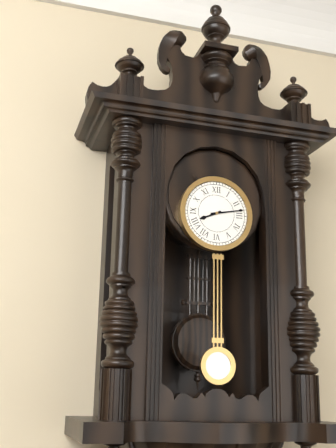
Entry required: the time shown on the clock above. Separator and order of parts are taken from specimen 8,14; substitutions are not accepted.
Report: 8,13
